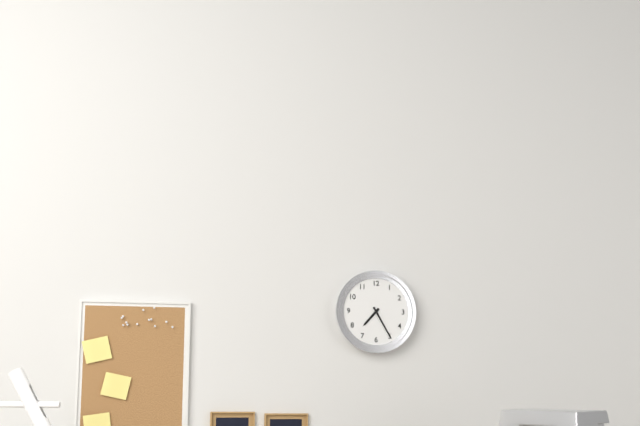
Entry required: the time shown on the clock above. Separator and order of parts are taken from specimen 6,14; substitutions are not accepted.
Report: 7,25
